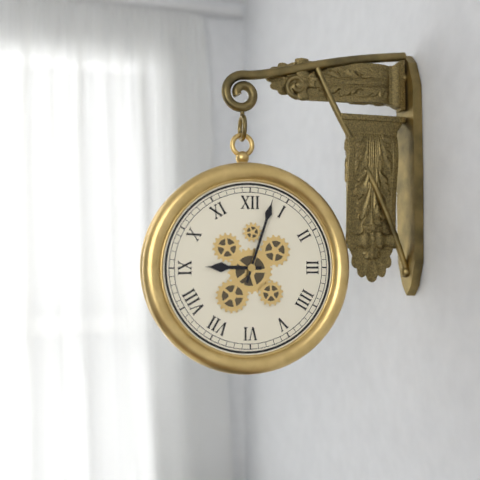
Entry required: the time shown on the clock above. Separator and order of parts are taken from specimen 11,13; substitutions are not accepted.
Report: 9,03
